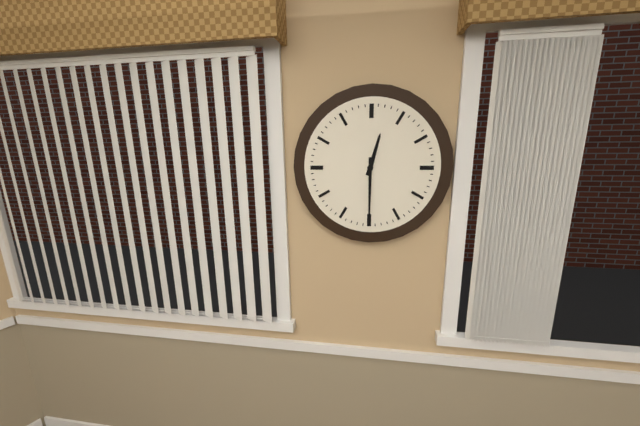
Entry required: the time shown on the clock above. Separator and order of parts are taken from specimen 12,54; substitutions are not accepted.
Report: 12,30
